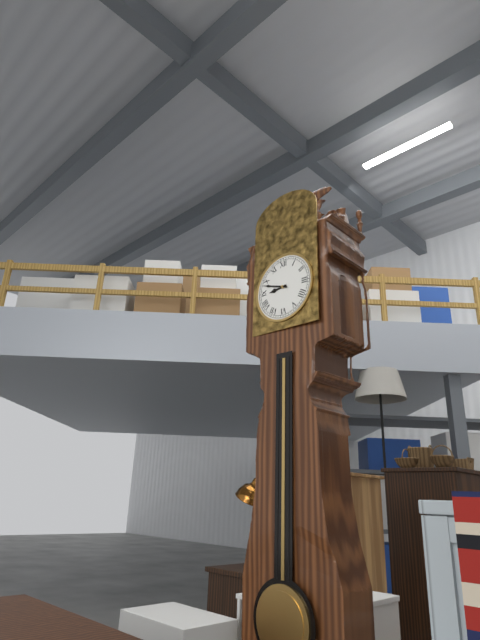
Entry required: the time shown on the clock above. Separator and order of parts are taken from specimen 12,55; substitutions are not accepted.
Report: 8,48
